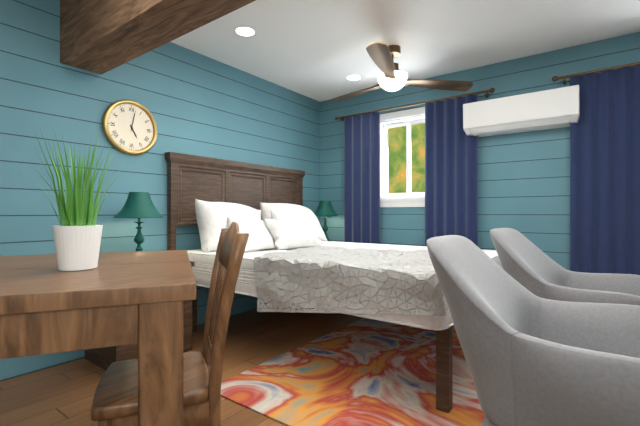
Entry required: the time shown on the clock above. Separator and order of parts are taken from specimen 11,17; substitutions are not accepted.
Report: 5,02
